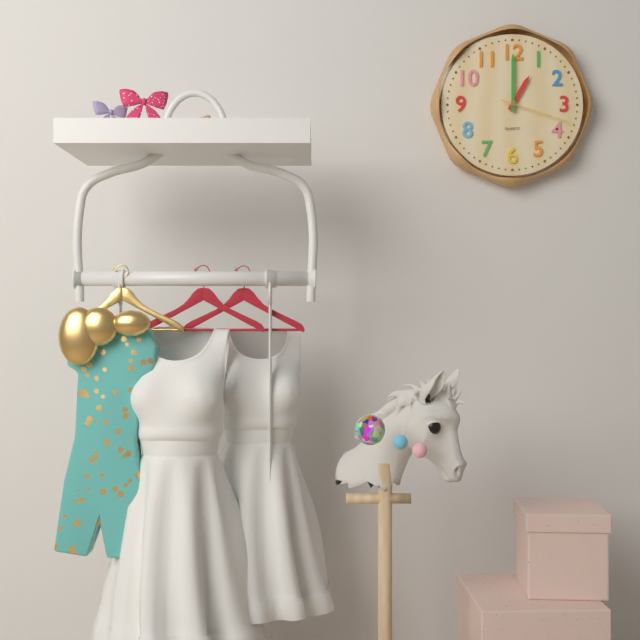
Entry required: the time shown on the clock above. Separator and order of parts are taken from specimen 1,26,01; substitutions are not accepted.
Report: 1,00,18
